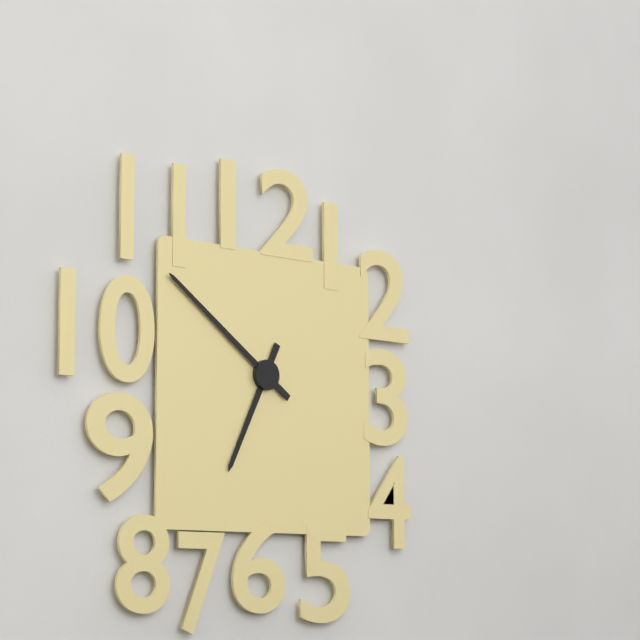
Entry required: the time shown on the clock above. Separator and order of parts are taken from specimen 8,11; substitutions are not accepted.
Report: 6,51
